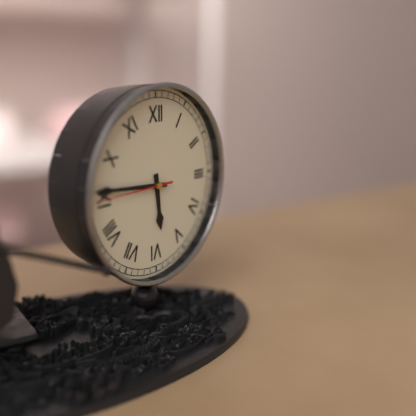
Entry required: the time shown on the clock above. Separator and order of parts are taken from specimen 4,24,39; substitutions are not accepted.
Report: 5,46,45
